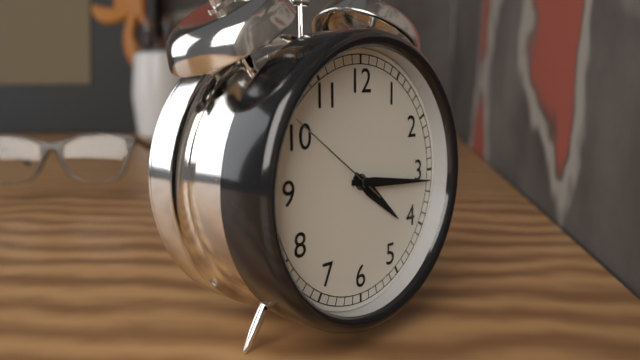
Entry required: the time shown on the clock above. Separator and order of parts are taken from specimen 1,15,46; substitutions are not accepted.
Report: 4,16,51
